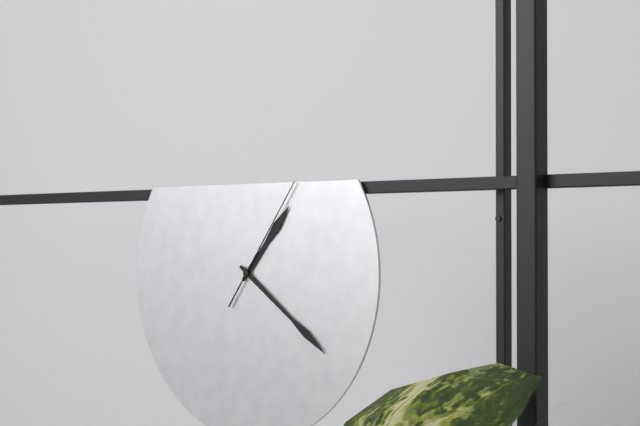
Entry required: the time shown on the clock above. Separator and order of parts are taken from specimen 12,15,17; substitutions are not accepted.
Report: 1,21,06
